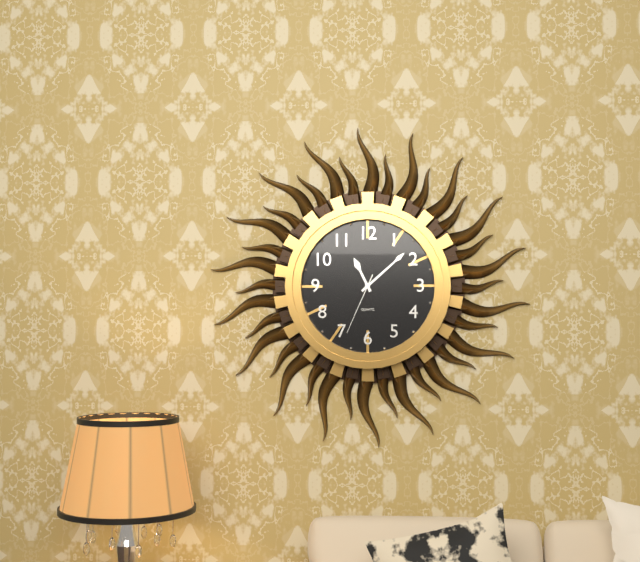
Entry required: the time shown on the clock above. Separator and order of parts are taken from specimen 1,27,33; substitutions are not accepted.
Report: 11,08,34
